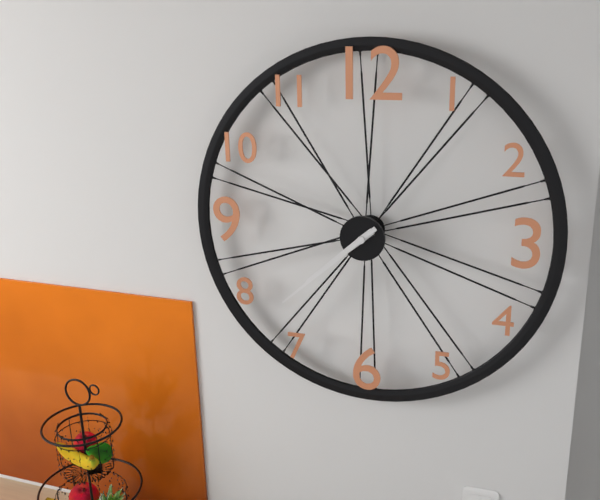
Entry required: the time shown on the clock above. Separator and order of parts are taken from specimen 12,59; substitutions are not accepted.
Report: 7,38
